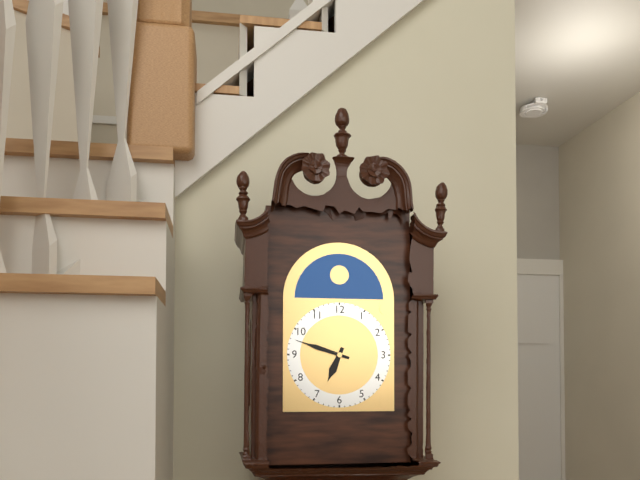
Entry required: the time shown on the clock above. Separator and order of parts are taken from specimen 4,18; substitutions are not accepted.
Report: 6,48
